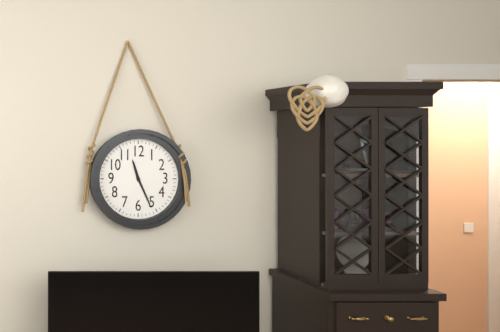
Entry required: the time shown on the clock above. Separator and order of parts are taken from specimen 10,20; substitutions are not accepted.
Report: 11,26
